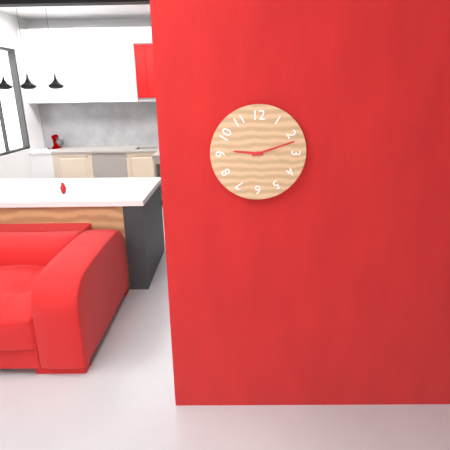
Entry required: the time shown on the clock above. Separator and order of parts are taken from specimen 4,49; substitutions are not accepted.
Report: 9,12
